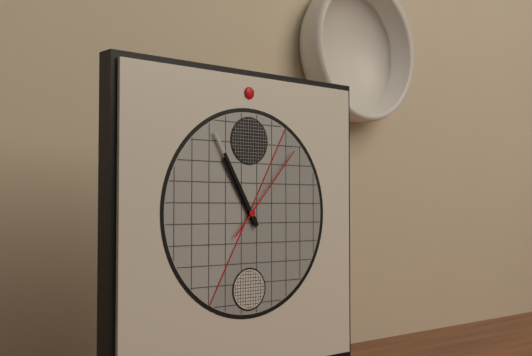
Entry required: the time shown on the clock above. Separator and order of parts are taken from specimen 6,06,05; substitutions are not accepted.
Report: 10,55,07
